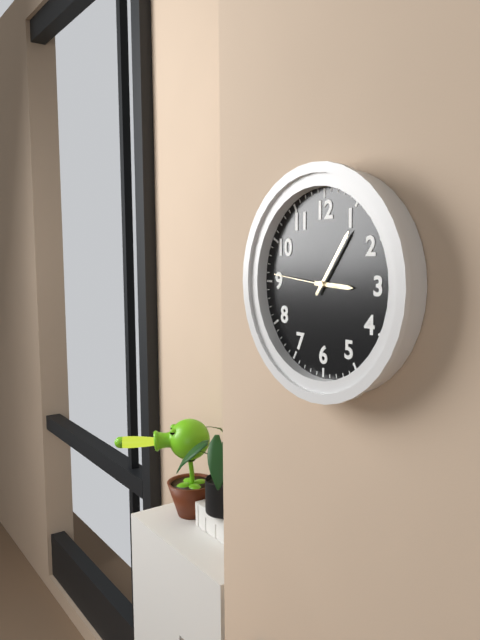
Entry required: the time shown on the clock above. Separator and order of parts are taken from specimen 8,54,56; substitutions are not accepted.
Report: 3,06,46
